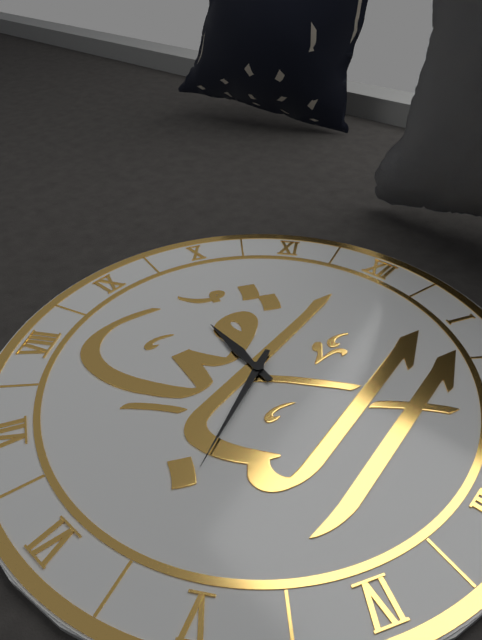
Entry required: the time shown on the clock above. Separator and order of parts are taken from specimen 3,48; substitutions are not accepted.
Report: 9,27
